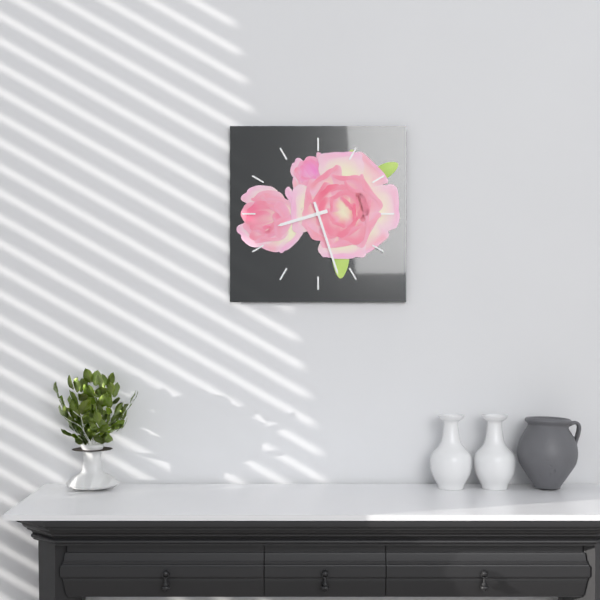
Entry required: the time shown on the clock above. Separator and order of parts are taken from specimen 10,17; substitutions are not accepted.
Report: 8,27
